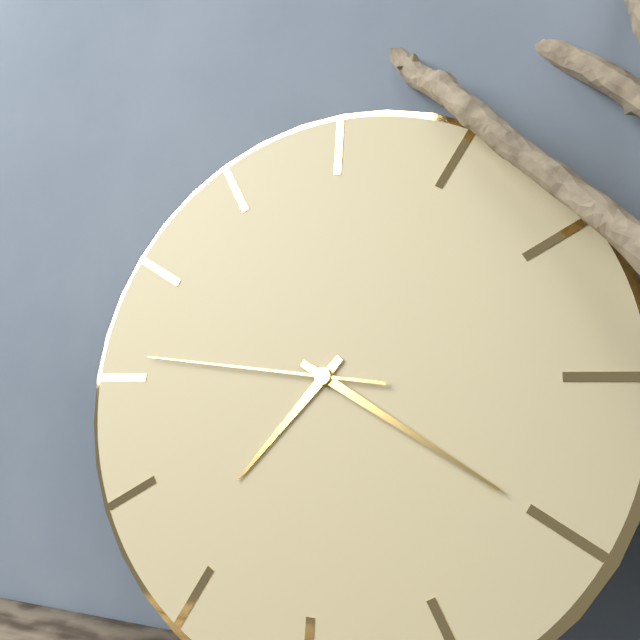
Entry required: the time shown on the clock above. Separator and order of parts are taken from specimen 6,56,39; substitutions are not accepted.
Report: 7,20,46
